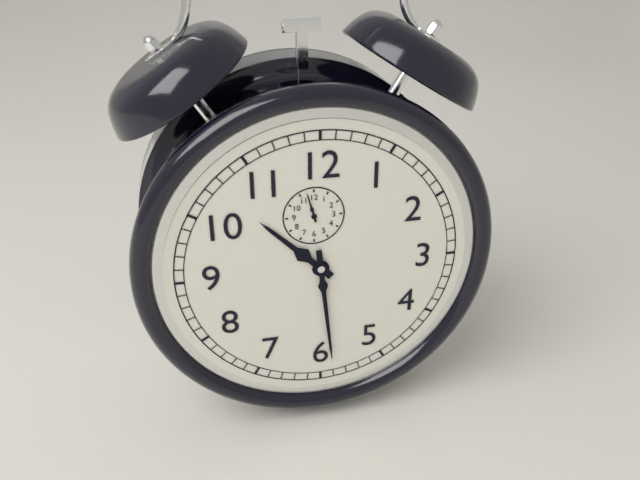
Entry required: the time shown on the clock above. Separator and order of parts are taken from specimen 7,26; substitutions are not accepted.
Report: 10,29
